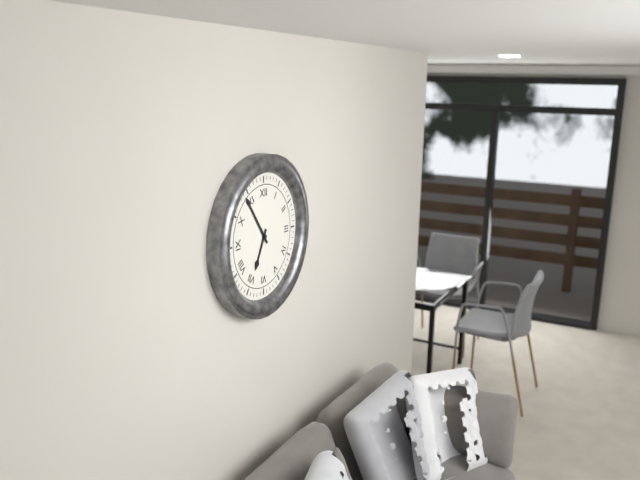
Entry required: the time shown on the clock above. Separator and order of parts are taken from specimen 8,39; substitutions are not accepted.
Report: 6,54
